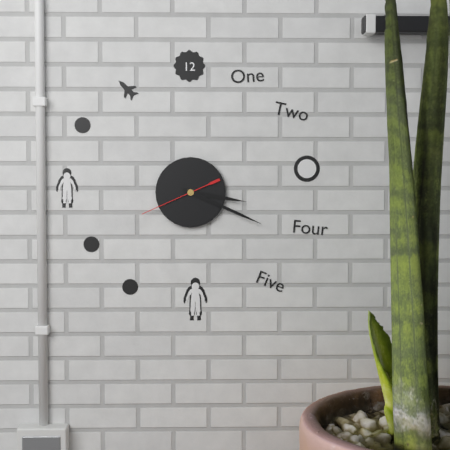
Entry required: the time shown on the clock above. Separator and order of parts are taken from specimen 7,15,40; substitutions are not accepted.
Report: 3,19,41
